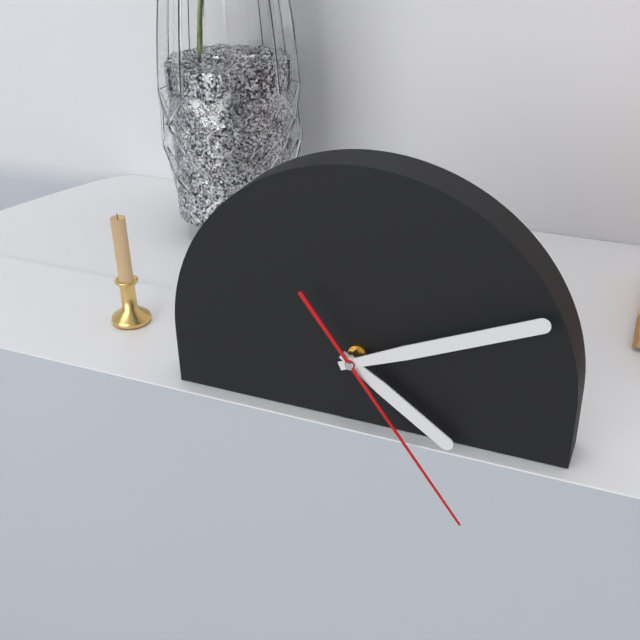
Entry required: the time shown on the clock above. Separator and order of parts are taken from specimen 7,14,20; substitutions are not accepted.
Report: 4,11,24
